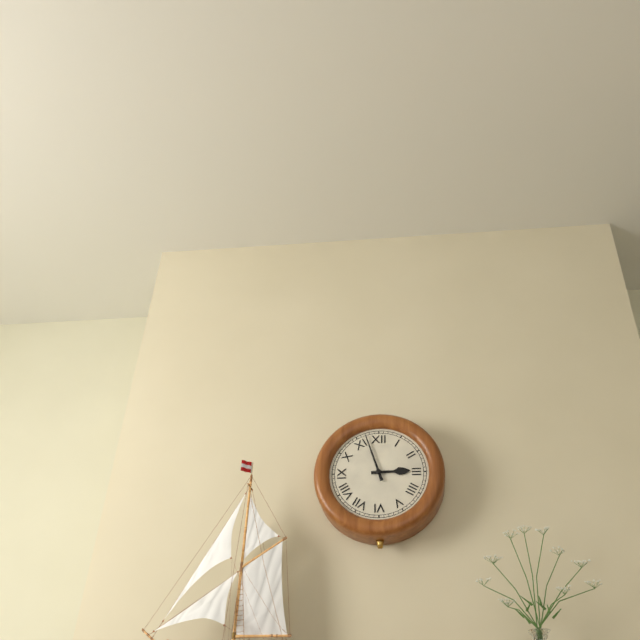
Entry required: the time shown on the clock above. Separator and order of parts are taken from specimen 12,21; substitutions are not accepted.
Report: 2,57
